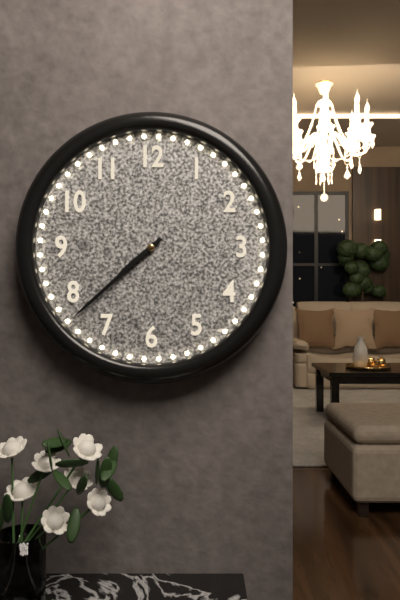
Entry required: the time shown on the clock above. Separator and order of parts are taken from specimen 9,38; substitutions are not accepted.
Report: 7,38
